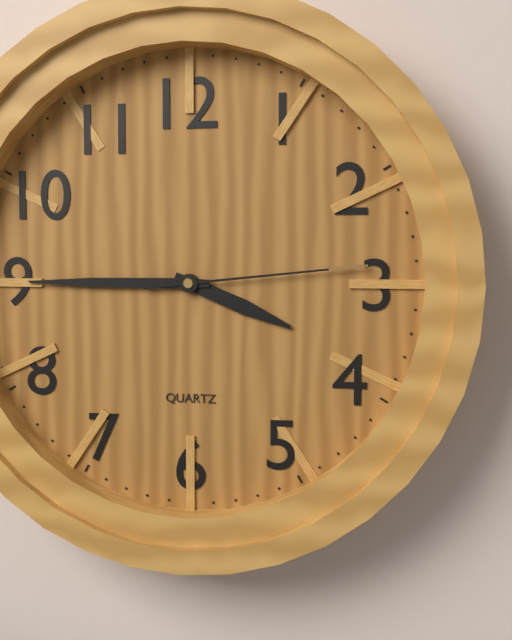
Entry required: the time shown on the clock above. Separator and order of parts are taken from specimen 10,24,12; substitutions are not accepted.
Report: 3,45,14
